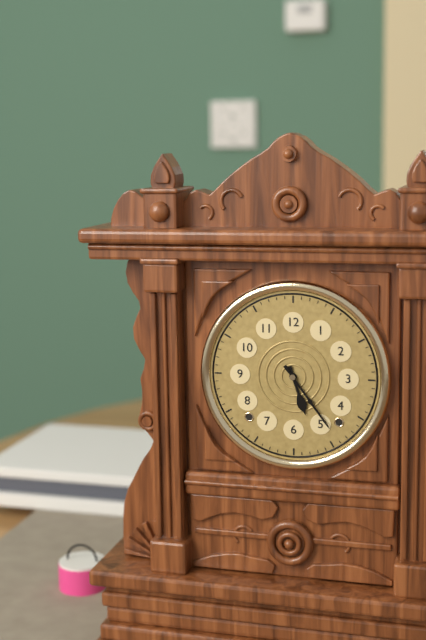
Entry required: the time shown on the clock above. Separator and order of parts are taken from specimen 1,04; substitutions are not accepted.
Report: 5,24
